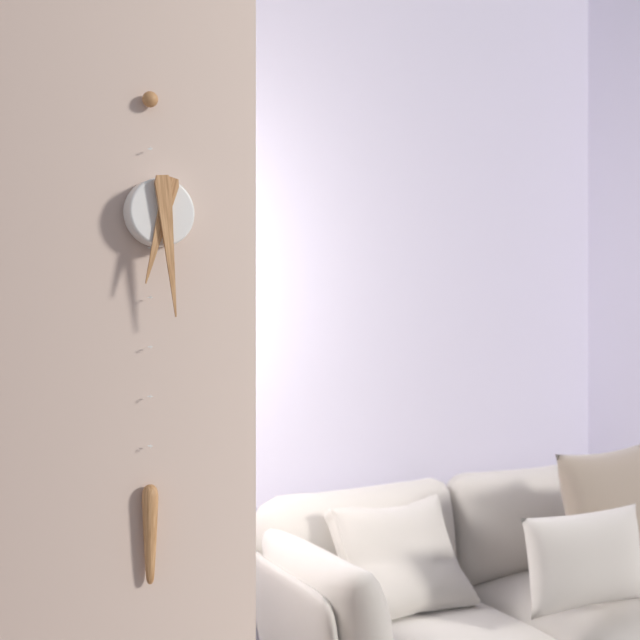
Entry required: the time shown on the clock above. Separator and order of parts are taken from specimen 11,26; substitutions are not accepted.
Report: 6,29
